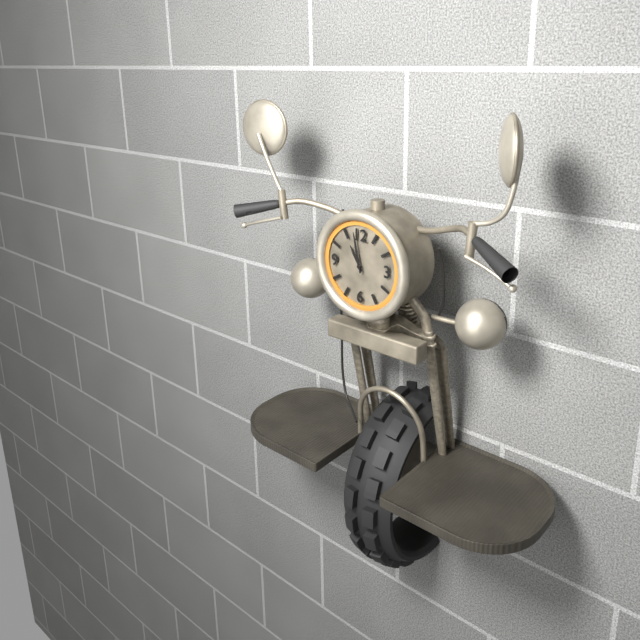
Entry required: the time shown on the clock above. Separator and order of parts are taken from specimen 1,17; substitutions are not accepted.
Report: 10,58
